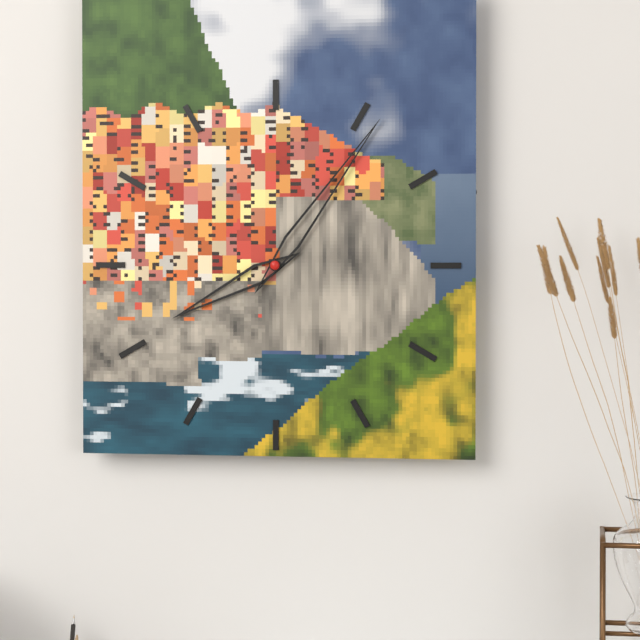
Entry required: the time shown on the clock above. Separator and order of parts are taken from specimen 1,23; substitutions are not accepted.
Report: 8,06
